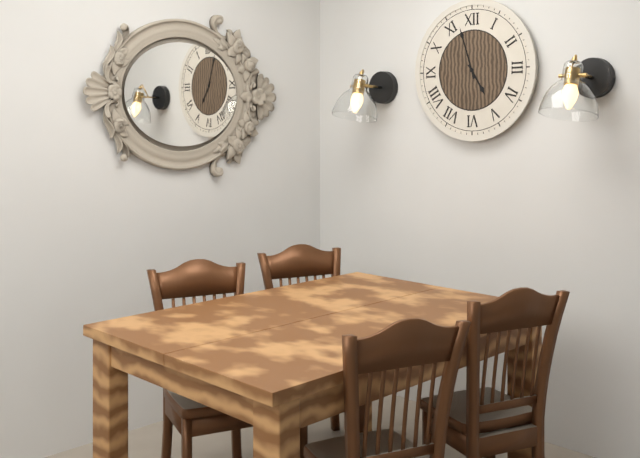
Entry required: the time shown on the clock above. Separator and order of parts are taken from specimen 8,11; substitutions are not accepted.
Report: 4,57
